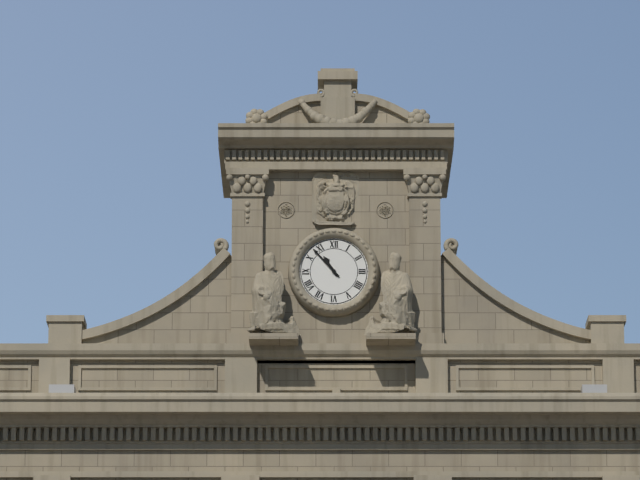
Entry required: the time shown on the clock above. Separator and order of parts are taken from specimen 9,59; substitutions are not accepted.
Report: 10,53
